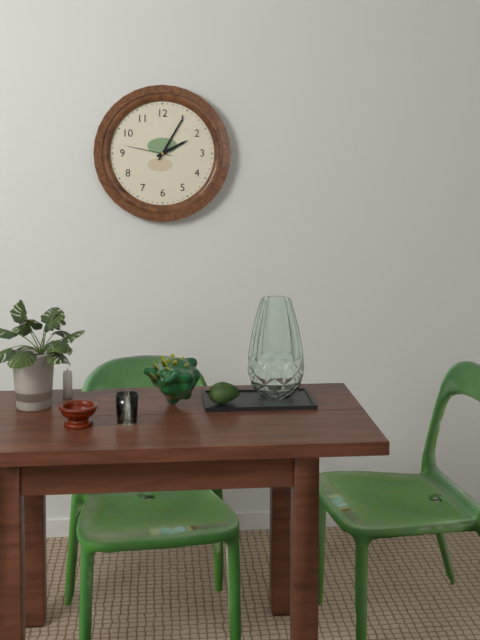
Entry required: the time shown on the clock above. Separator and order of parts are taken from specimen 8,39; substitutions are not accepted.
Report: 2,05
